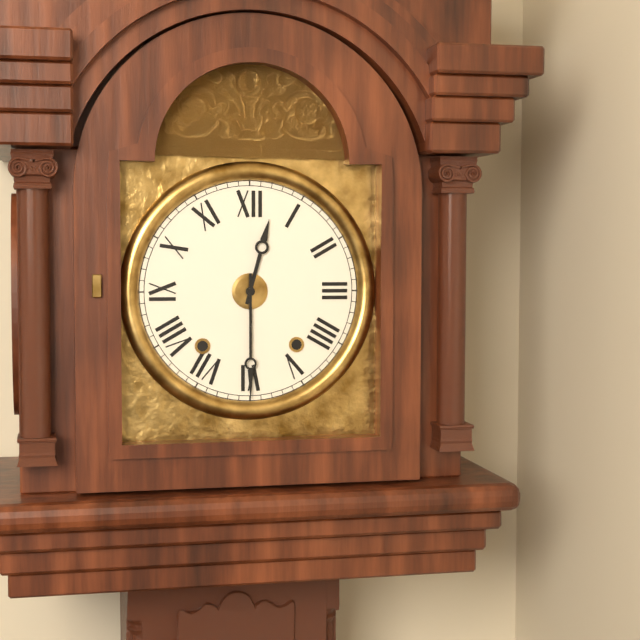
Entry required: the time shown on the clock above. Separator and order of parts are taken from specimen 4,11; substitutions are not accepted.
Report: 12,30
